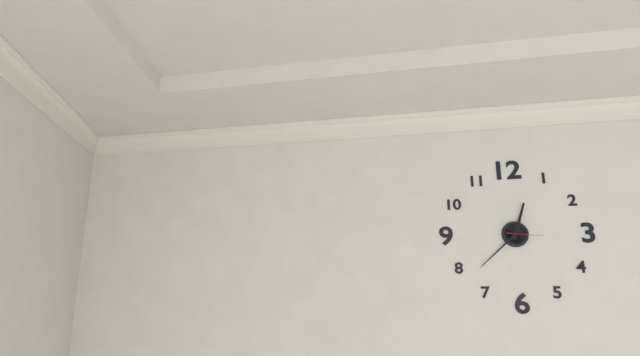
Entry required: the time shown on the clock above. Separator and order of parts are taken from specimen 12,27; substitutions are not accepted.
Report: 12,38
